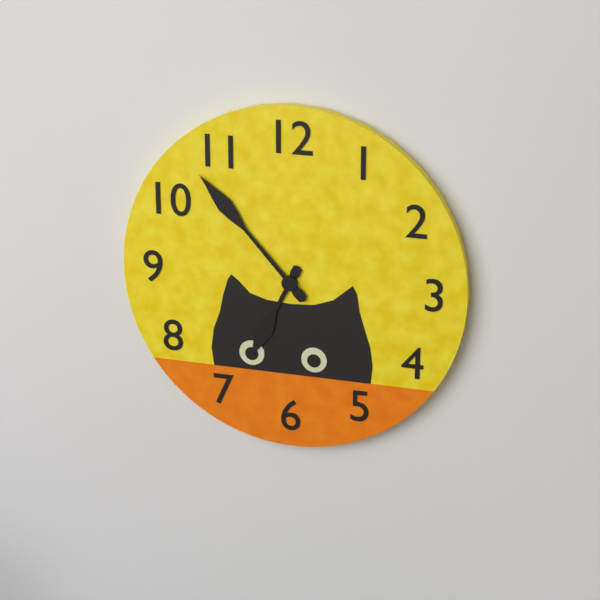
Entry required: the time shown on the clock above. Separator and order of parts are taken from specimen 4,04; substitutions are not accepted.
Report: 6,53
